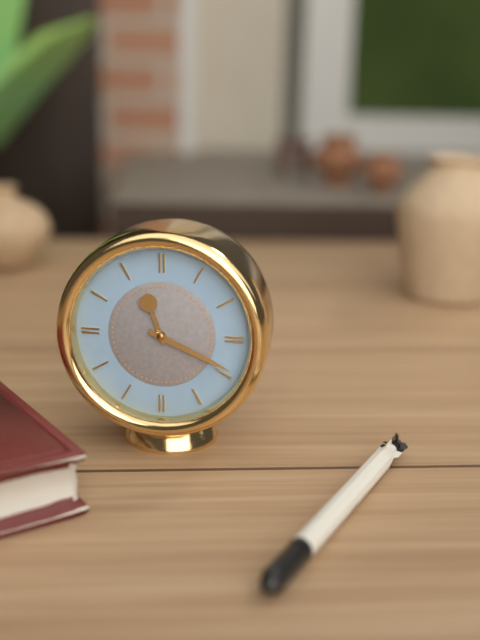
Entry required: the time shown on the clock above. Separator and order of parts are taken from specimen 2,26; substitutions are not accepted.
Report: 11,19
